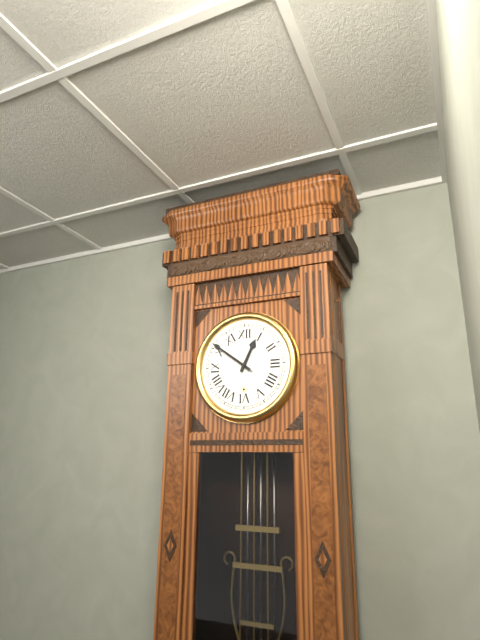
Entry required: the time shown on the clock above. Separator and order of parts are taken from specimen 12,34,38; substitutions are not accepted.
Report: 12,51,51
